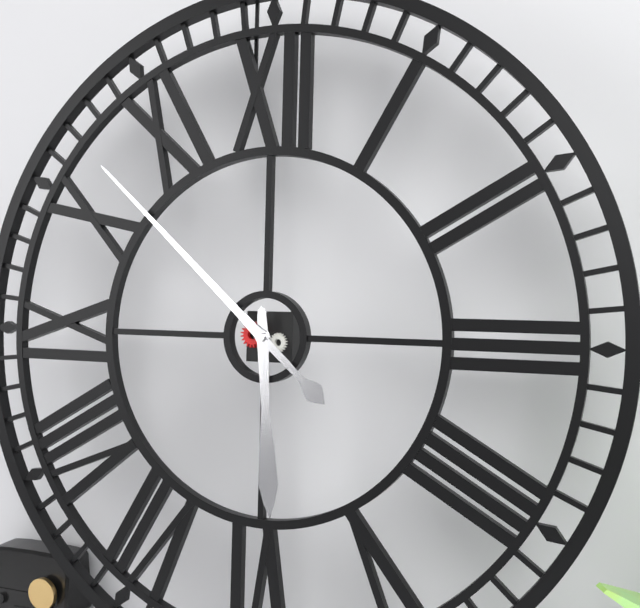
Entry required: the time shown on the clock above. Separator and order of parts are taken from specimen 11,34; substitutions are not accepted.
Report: 5,52
